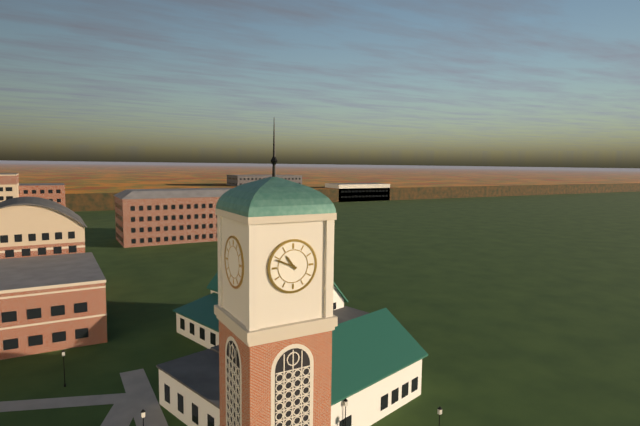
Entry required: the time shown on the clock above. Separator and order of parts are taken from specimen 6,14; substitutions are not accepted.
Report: 10,49
